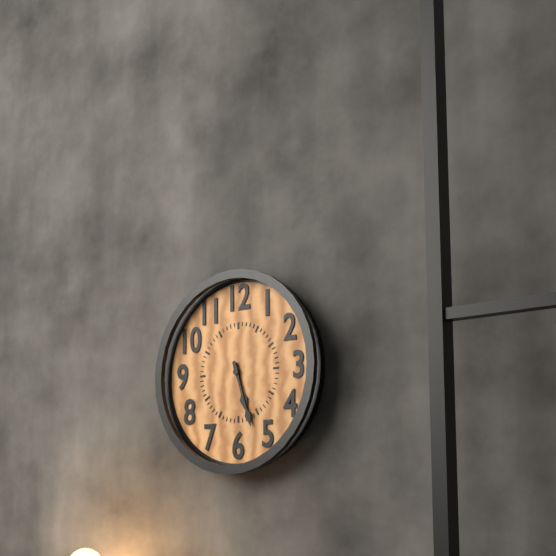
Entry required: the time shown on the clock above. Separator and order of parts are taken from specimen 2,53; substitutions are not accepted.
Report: 5,27
